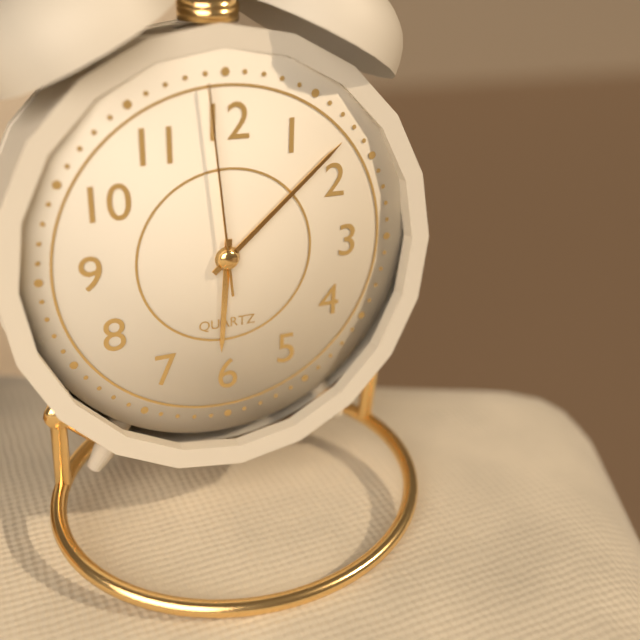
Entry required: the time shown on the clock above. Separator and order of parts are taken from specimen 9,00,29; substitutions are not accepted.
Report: 6,08,59
